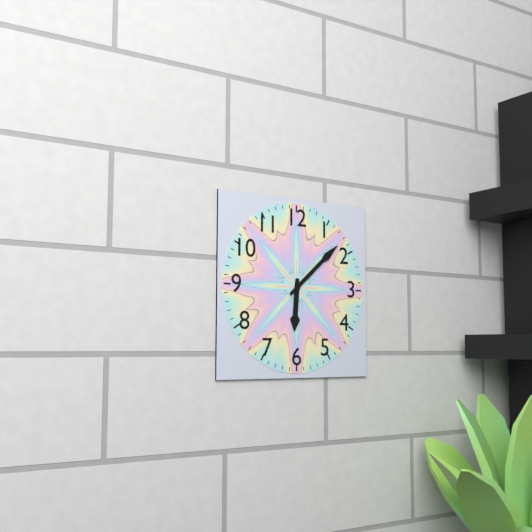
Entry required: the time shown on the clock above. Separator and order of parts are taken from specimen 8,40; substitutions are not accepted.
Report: 6,08
